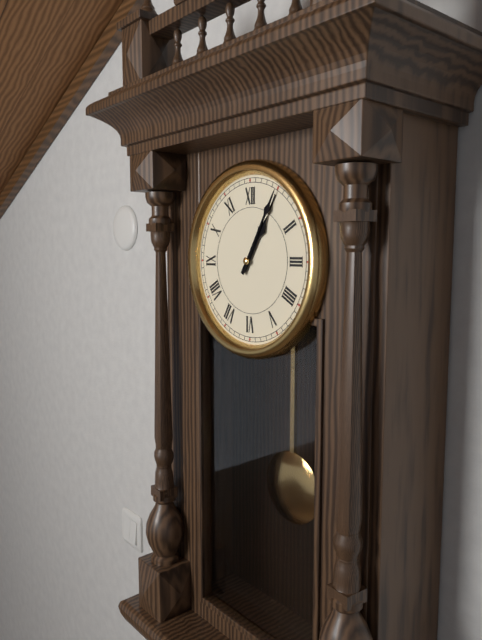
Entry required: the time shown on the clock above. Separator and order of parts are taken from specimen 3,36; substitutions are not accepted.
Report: 1,05
